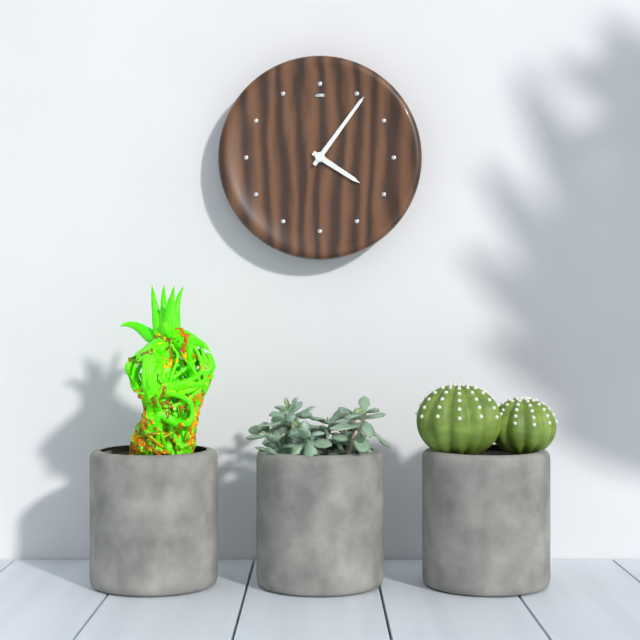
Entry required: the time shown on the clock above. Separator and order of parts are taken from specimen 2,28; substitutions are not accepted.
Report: 4,06
